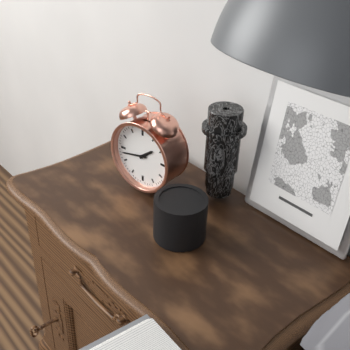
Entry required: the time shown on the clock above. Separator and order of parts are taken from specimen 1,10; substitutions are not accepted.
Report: 1,43
